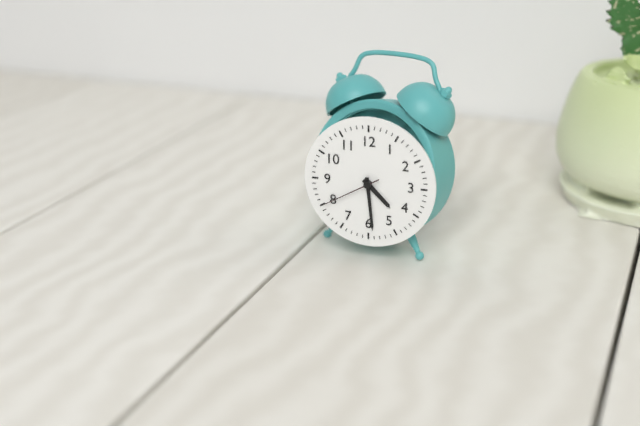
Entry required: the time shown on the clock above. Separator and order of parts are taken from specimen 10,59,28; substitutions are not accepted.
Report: 4,29,40
